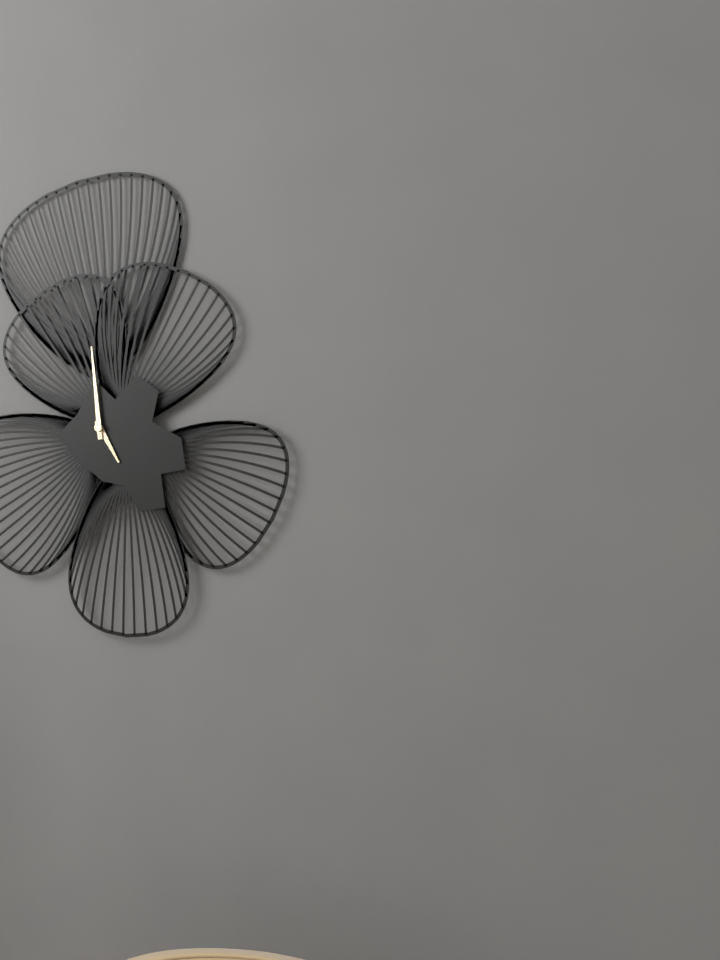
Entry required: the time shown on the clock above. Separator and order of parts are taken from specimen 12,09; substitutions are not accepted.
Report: 4,59
